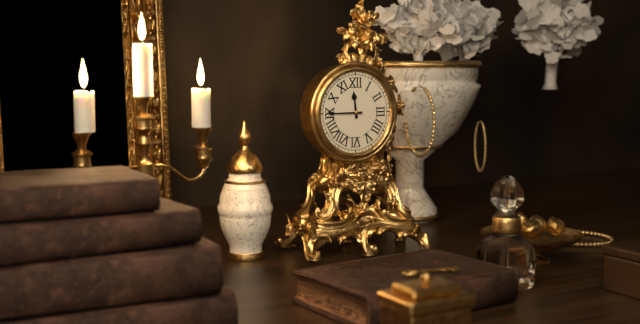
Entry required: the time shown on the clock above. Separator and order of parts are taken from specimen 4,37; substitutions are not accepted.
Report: 11,45
